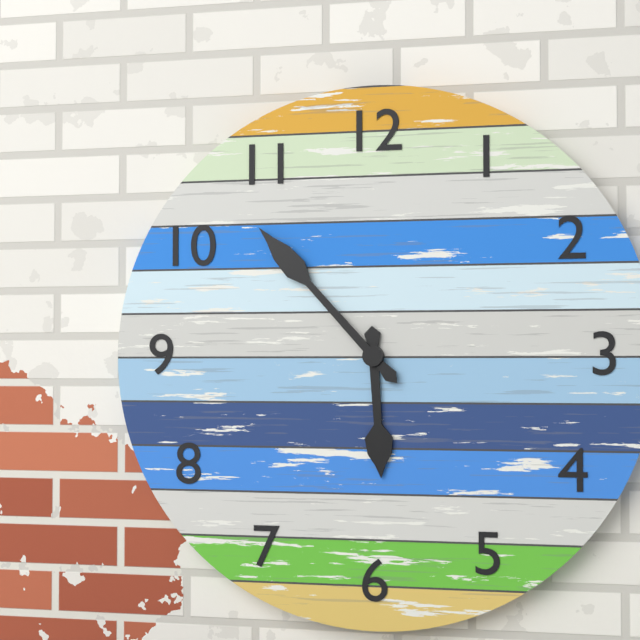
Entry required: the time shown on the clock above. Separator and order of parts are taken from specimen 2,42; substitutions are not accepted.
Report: 5,53
